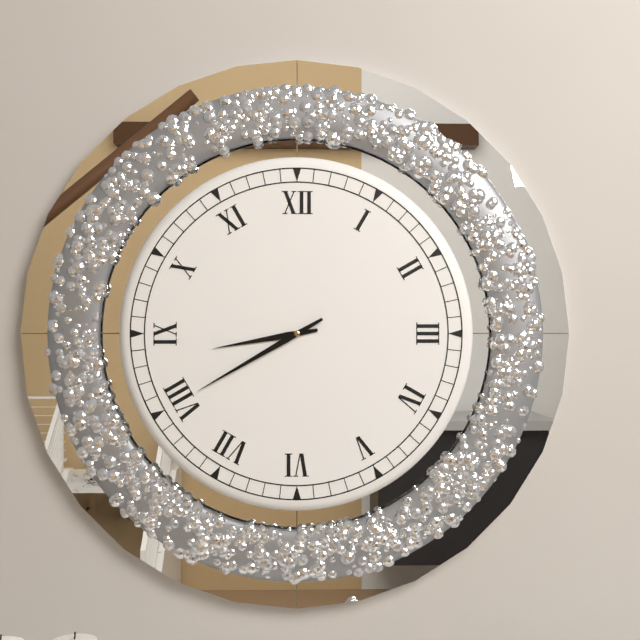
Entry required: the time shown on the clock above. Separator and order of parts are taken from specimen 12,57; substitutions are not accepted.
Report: 8,40
